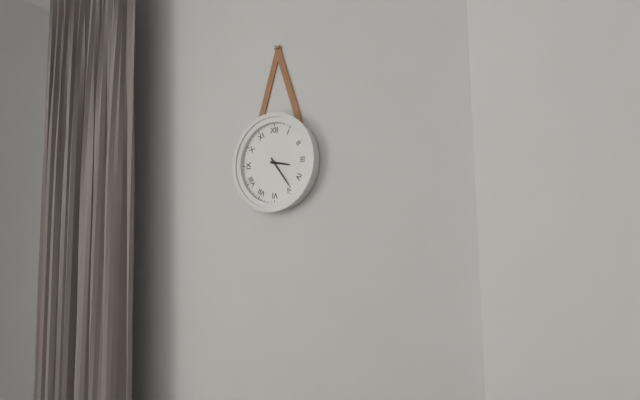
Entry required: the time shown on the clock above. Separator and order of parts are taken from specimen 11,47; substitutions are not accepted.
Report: 3,24
